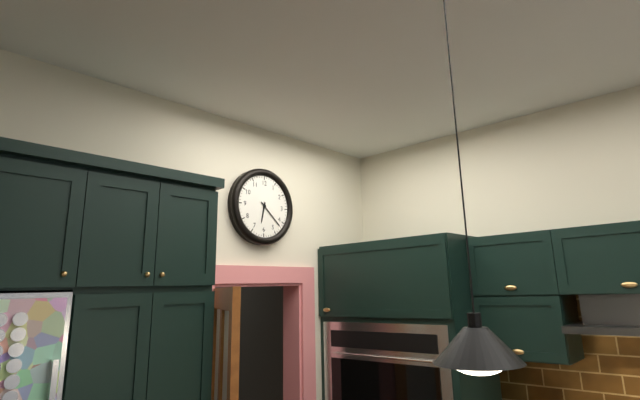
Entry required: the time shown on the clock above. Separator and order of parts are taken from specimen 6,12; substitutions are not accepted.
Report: 6,22
